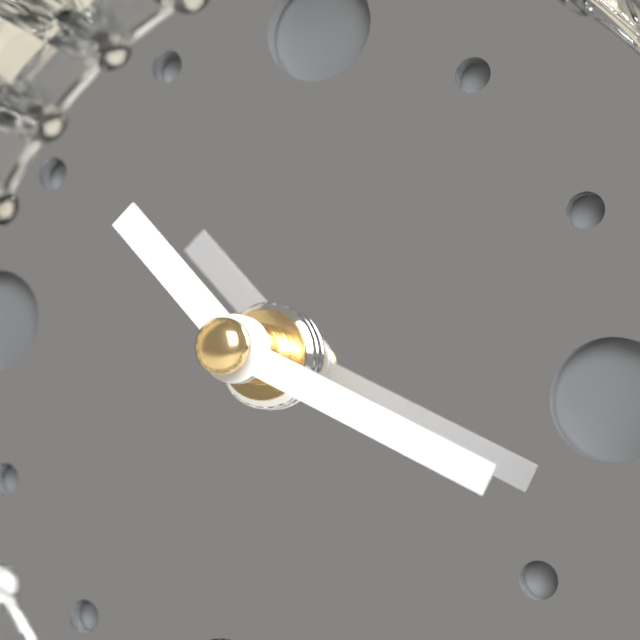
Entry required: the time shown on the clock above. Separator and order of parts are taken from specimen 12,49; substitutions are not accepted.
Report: 10,18
